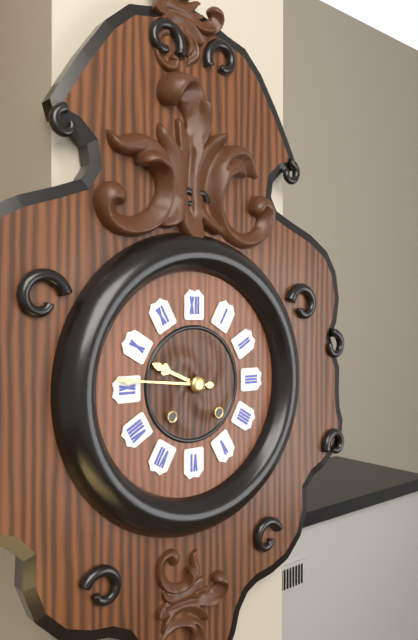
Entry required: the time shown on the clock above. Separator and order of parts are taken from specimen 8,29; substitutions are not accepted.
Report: 9,46
